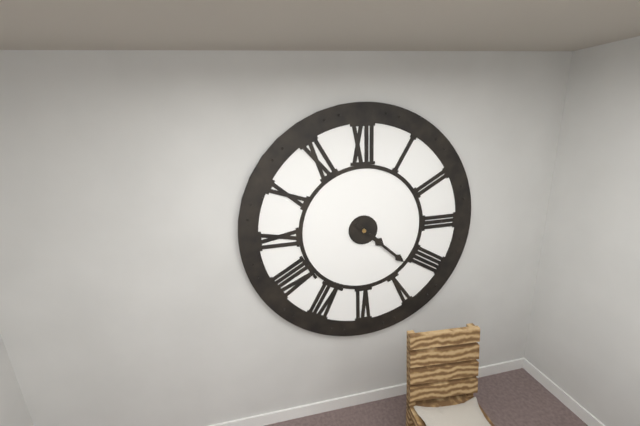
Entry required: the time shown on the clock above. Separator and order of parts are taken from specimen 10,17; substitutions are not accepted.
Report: 4,22
